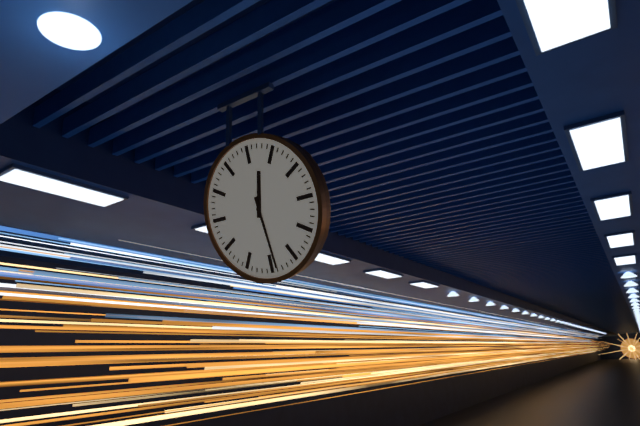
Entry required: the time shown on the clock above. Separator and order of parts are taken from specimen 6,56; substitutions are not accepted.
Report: 12,29
